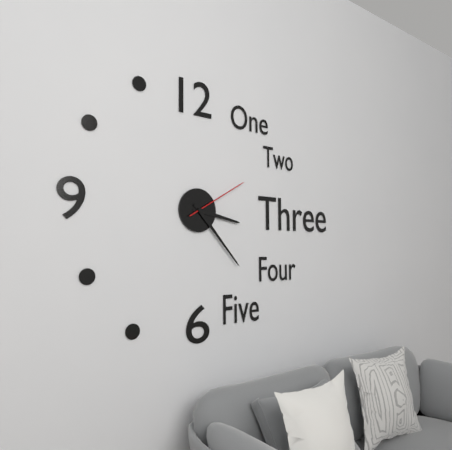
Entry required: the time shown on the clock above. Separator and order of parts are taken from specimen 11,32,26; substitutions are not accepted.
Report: 3,23,10
